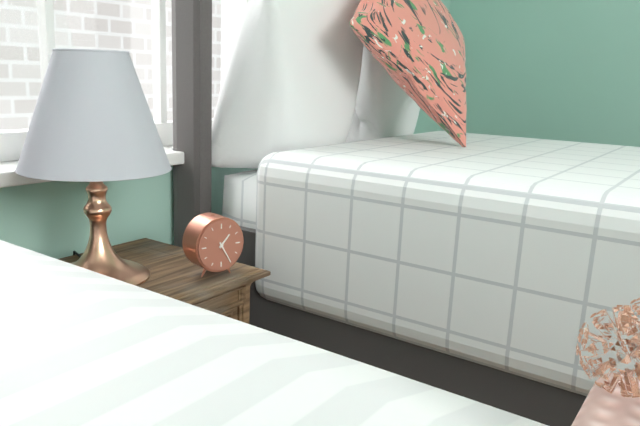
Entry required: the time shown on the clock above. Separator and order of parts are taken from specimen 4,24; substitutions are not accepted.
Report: 1,25
